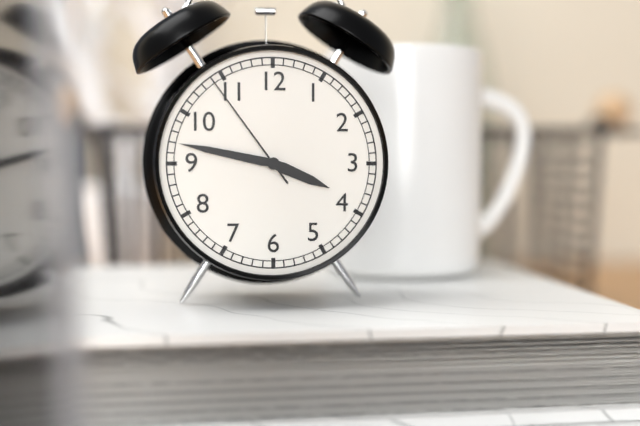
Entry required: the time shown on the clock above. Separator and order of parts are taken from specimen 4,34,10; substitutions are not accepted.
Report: 3,47,54
